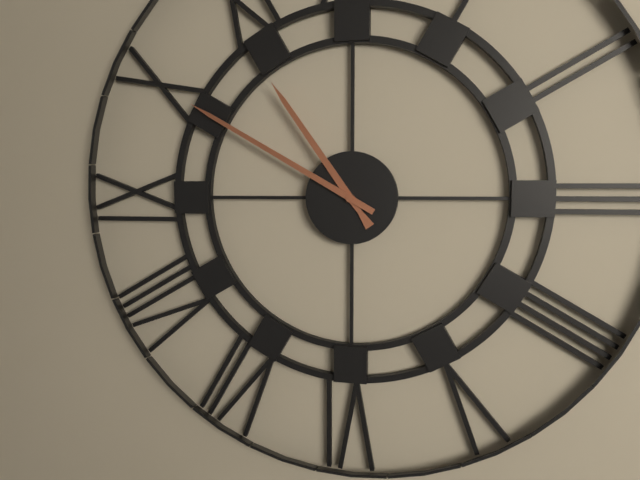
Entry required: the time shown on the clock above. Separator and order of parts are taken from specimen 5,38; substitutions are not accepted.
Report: 10,50
